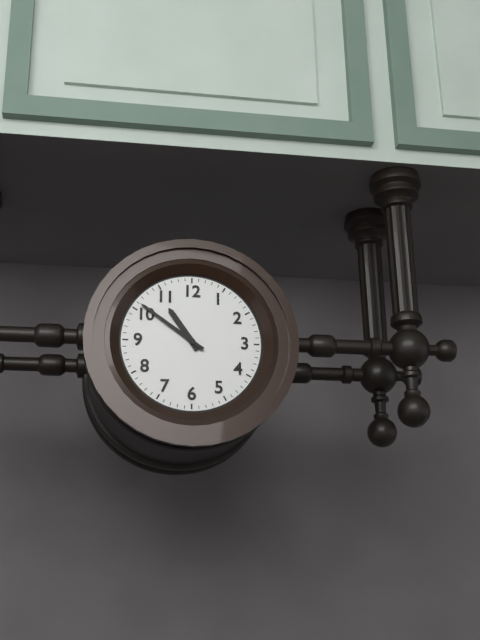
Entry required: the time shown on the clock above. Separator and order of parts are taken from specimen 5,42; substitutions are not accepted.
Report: 10,51
